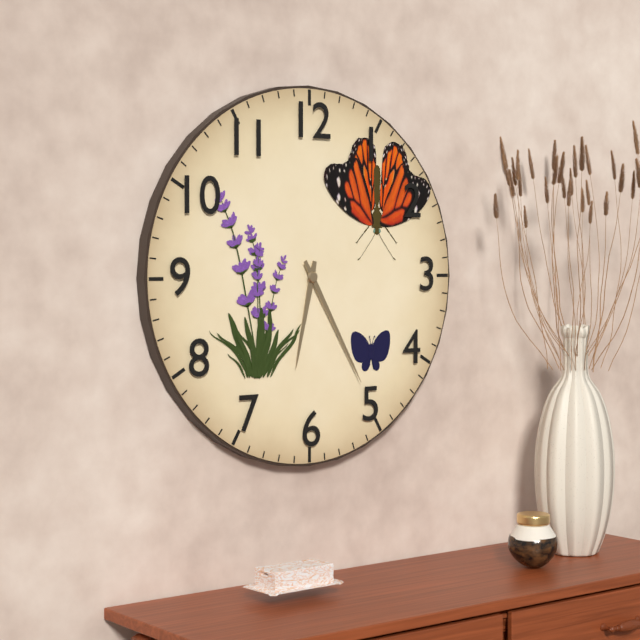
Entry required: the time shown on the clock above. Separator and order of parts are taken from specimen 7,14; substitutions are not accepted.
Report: 6,25
